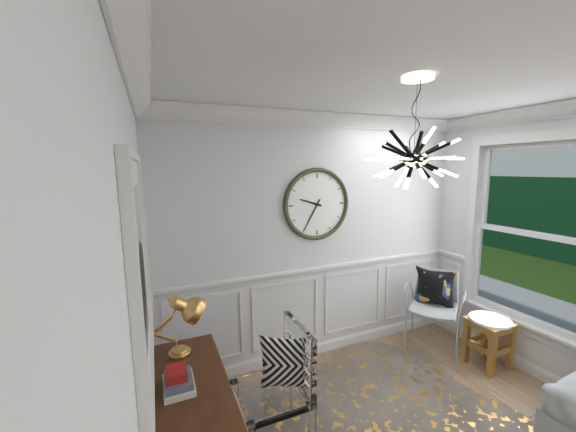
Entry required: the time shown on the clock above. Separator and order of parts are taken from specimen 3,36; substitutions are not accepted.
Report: 9,35
